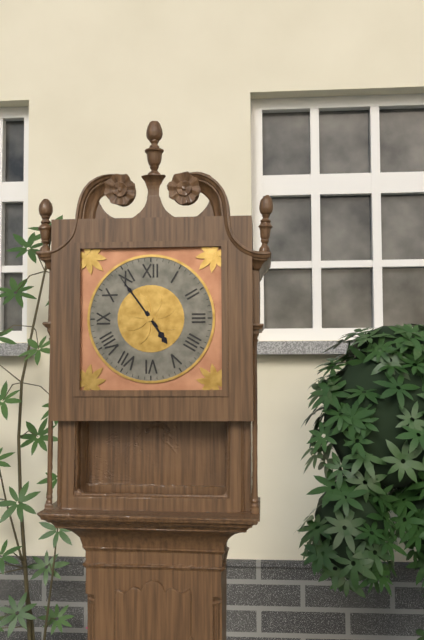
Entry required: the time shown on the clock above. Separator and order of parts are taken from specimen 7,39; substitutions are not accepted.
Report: 4,54
